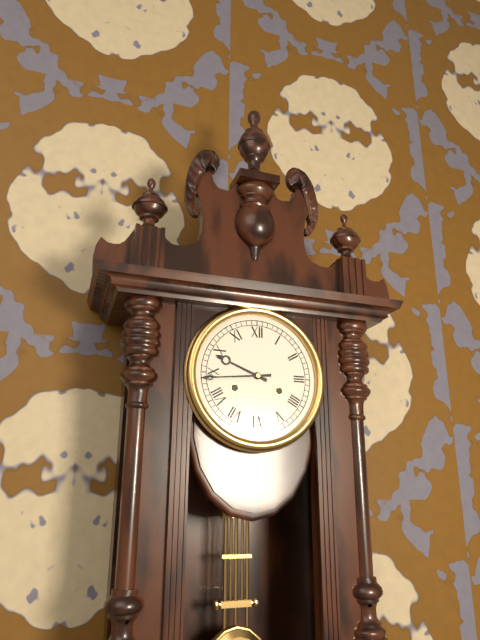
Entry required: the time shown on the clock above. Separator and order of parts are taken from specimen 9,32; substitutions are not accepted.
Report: 9,44
